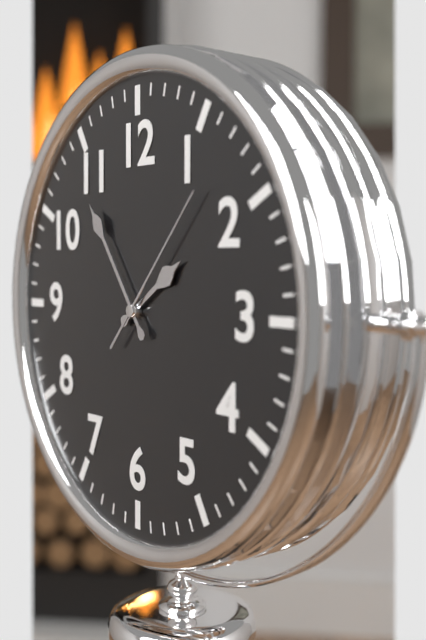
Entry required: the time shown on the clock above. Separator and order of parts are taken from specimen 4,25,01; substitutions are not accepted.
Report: 1,54,07
